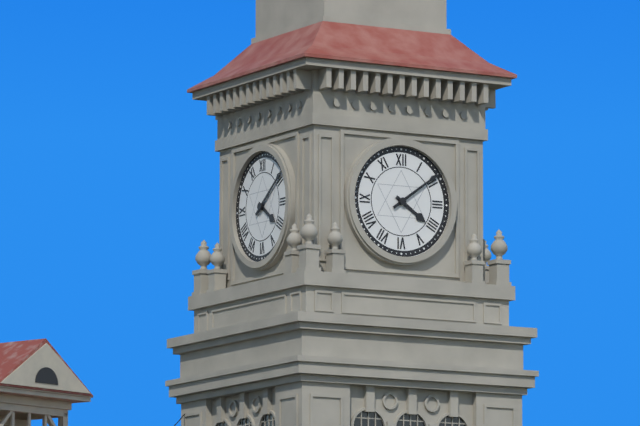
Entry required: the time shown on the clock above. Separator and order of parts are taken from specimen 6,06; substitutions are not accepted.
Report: 4,09
